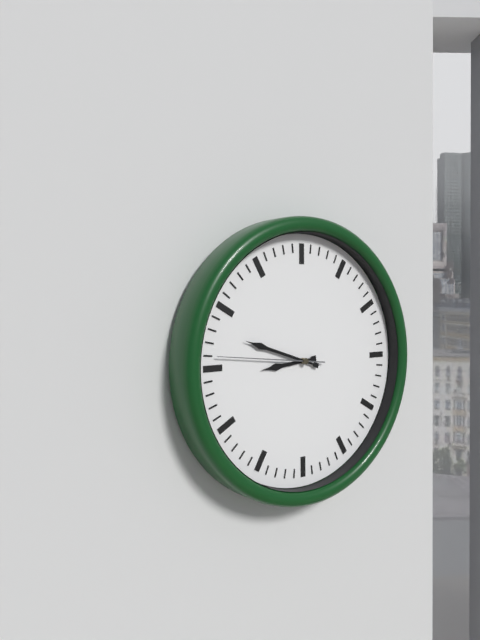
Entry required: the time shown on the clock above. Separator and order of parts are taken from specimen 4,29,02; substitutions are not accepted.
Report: 8,48,46
